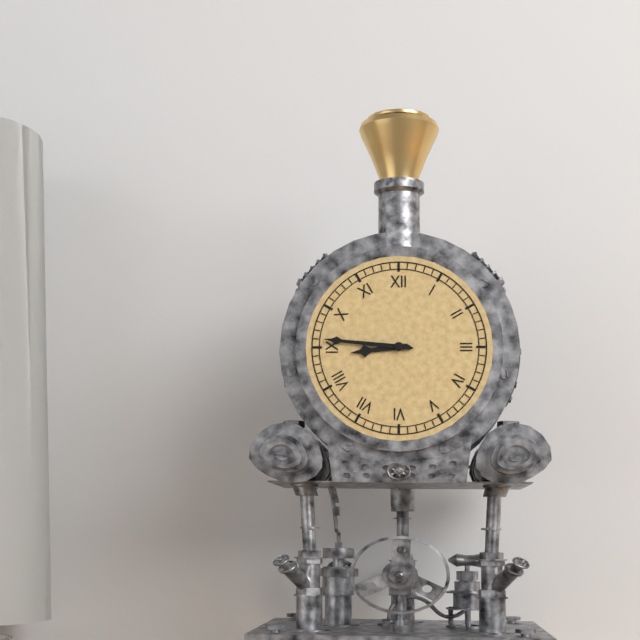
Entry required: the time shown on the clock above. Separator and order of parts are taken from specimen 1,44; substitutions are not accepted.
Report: 8,46
